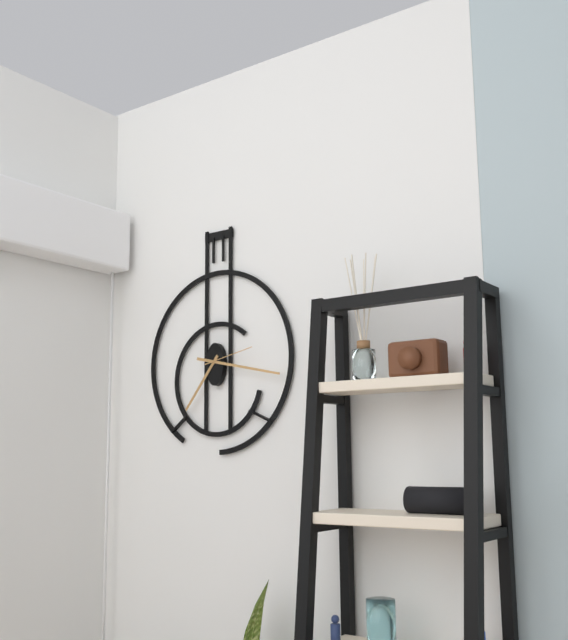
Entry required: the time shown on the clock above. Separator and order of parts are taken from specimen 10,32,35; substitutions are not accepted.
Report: 7,17,13
